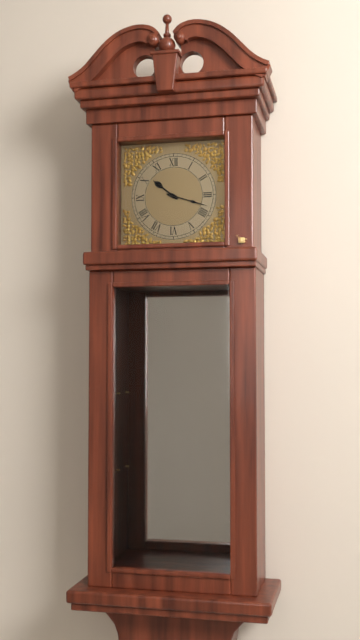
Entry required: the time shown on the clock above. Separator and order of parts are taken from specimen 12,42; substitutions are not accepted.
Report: 10,18
